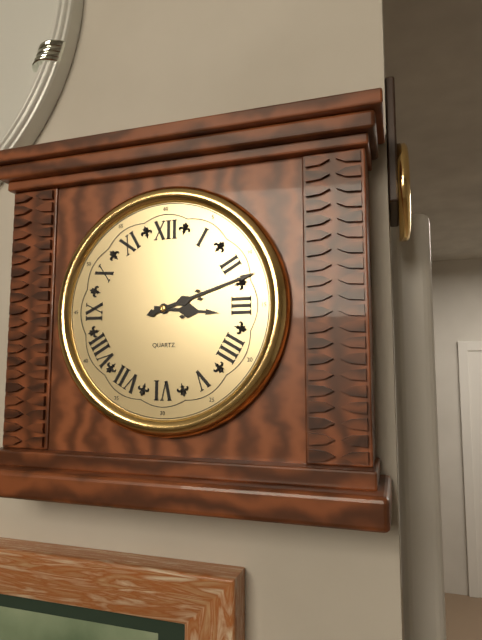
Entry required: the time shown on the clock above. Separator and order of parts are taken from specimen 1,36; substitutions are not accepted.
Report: 3,12
